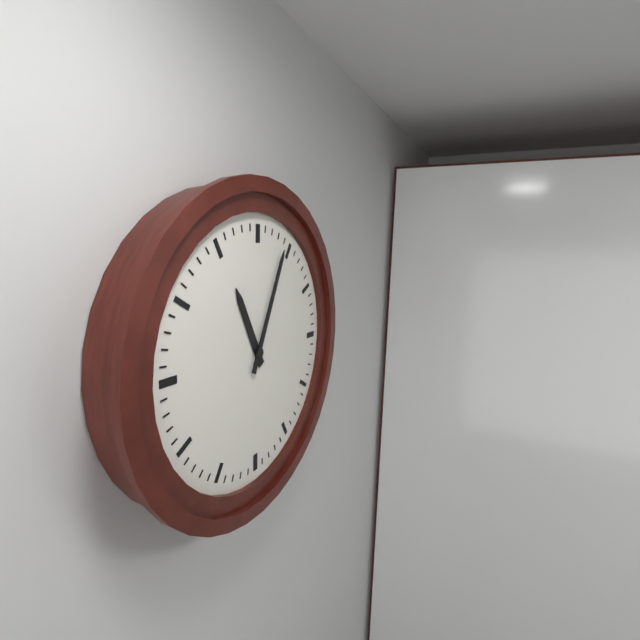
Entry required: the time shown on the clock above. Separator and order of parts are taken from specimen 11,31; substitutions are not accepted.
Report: 11,04
